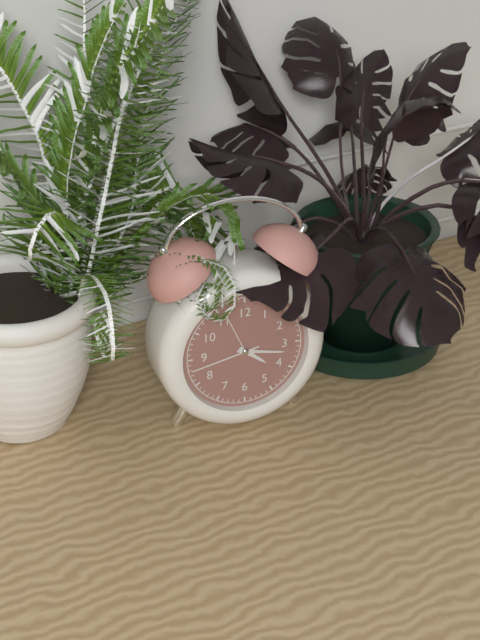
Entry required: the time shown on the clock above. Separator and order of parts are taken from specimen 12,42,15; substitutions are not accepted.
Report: 4,17,43
